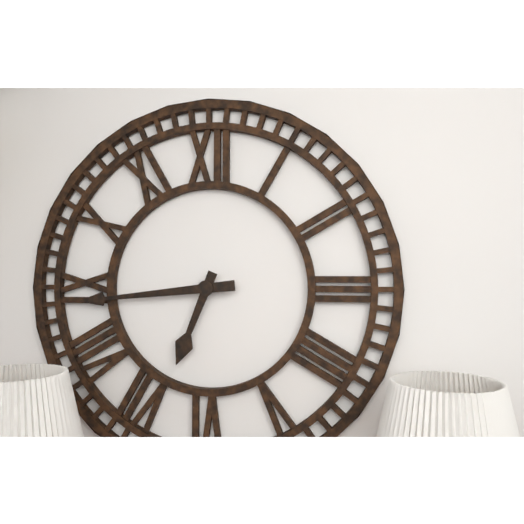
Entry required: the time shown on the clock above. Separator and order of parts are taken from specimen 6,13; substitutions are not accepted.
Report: 6,44
